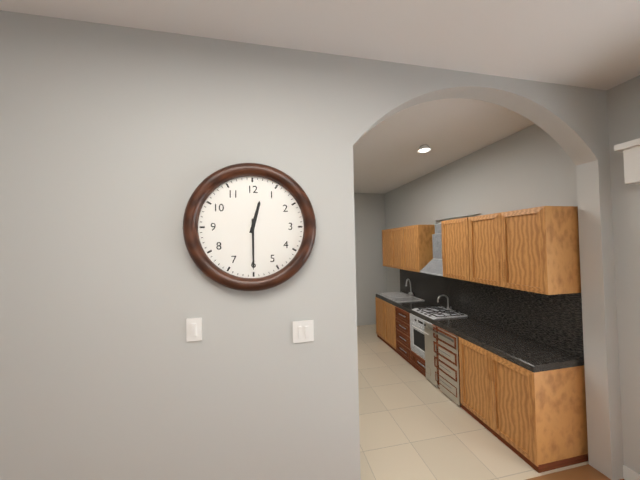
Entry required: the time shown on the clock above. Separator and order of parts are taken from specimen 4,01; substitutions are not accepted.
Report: 12,30
